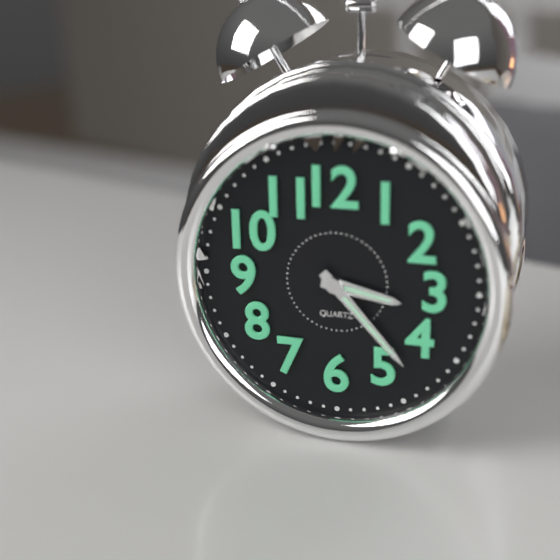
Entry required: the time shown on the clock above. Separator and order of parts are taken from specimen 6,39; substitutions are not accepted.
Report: 3,23
